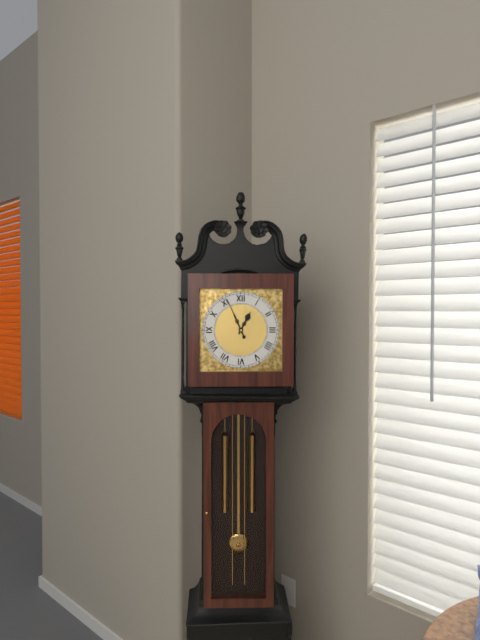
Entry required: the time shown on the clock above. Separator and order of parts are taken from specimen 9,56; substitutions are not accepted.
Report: 12,56
